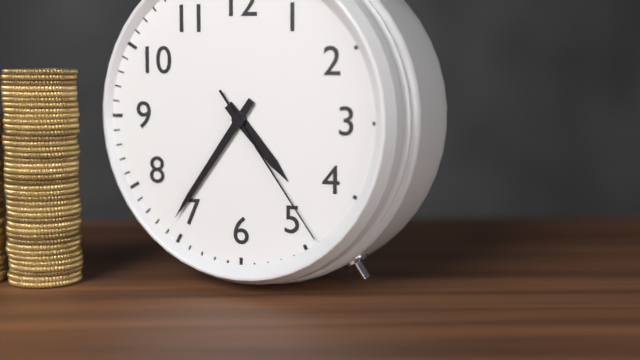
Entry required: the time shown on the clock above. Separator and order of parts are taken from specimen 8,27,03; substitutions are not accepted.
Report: 4,36,24
